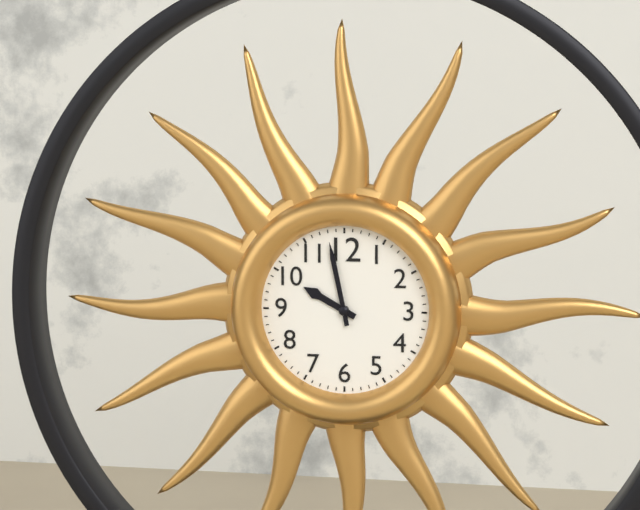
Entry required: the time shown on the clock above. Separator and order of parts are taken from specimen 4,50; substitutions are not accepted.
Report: 9,58
